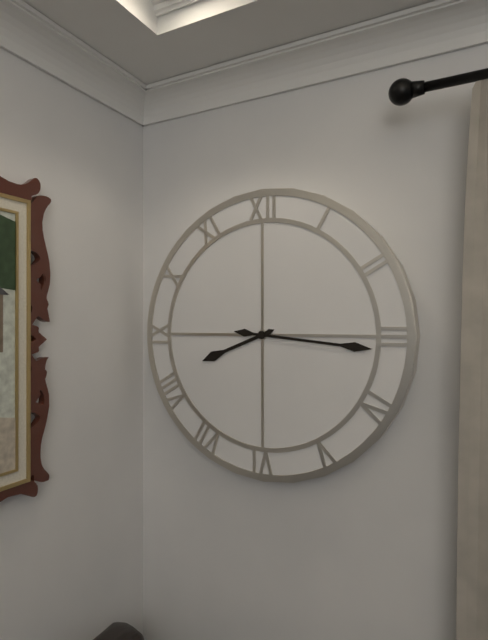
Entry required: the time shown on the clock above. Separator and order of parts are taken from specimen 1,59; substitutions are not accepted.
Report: 8,16
